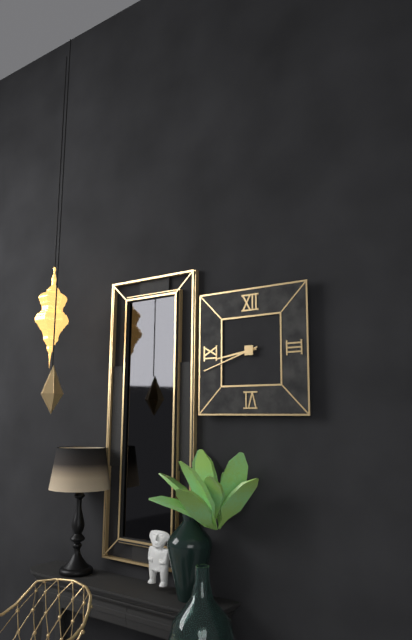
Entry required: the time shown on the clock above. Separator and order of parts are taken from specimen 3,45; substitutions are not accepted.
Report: 8,42
